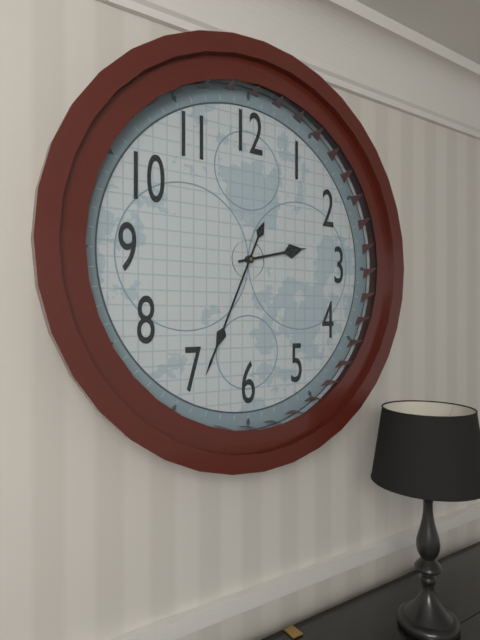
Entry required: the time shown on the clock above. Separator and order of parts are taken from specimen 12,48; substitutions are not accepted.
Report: 2,34
